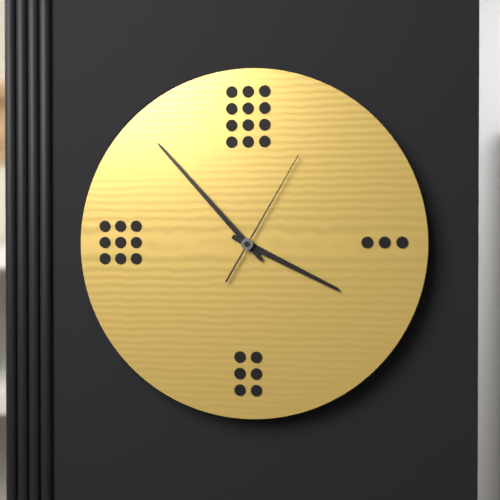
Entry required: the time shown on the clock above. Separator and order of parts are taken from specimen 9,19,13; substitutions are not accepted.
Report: 3,53,05
